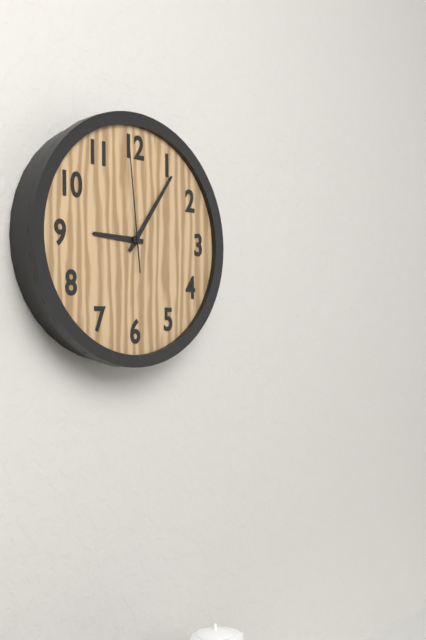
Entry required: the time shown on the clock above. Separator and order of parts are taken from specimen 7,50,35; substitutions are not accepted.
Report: 9,06,59
